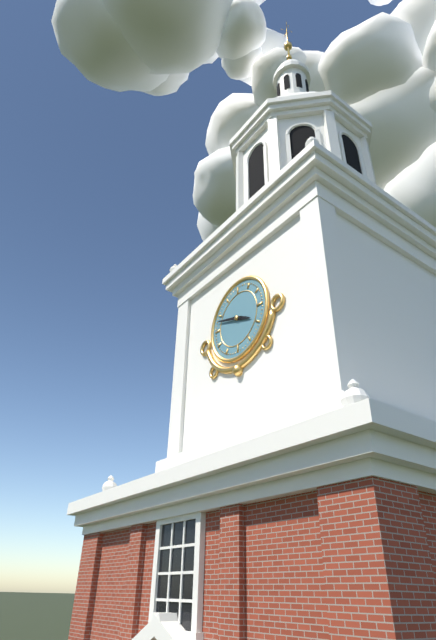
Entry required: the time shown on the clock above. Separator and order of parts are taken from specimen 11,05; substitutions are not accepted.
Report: 3,48
